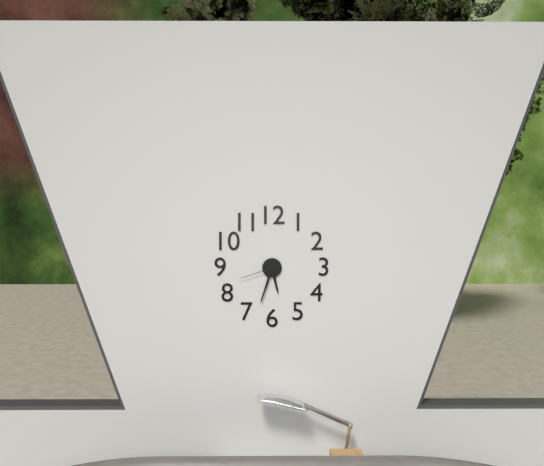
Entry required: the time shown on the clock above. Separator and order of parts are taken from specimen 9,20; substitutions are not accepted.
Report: 5,33
